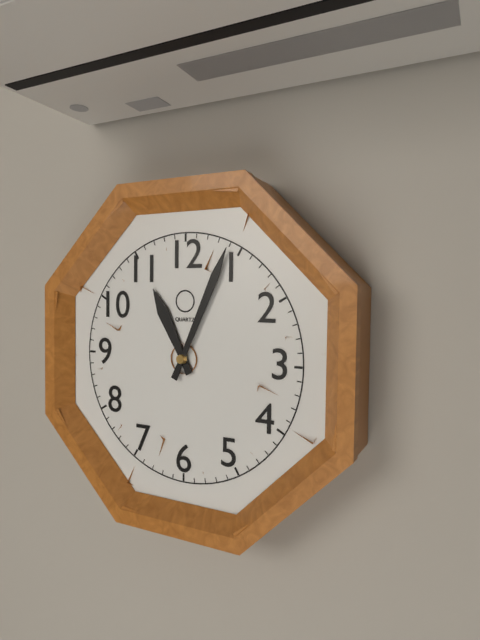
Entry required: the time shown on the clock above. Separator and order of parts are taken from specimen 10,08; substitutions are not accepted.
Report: 11,04
